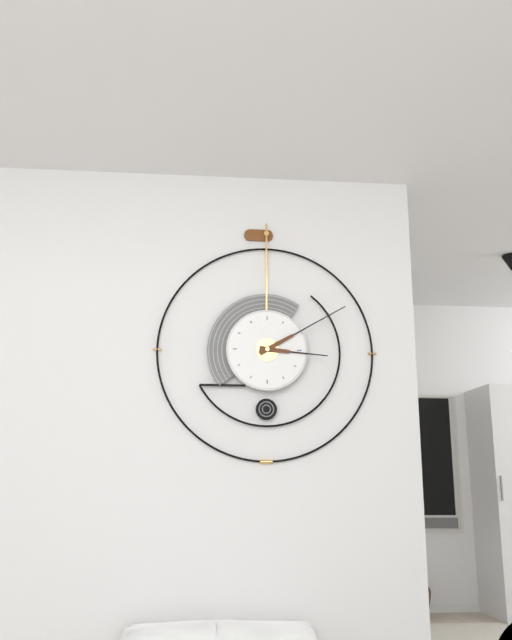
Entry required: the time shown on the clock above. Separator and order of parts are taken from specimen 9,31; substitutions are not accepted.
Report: 3,10
